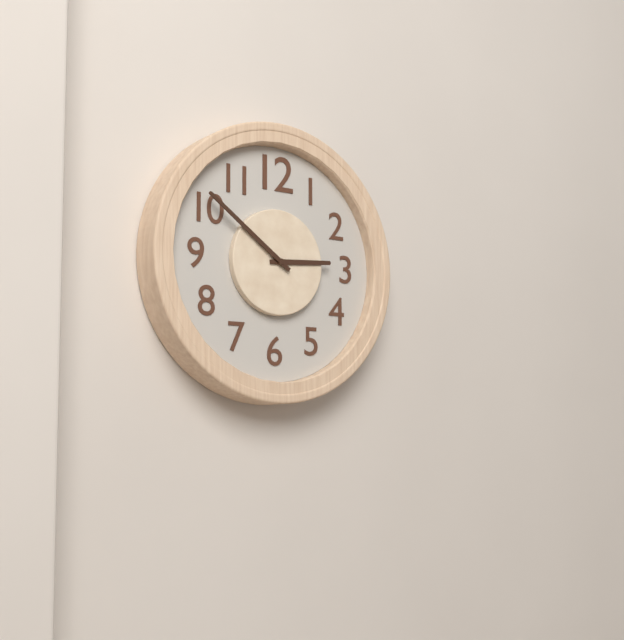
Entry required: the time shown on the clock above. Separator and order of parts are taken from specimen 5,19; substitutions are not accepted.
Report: 2,51
